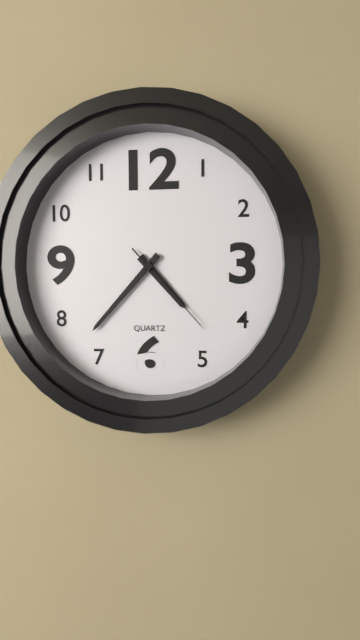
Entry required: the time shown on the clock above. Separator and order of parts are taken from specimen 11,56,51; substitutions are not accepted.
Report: 4,37,23
